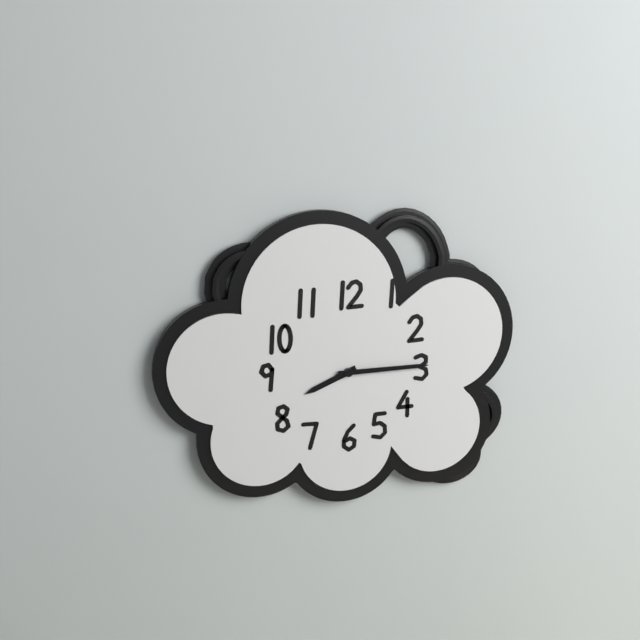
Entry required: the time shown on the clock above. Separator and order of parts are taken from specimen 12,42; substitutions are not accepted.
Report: 8,15
